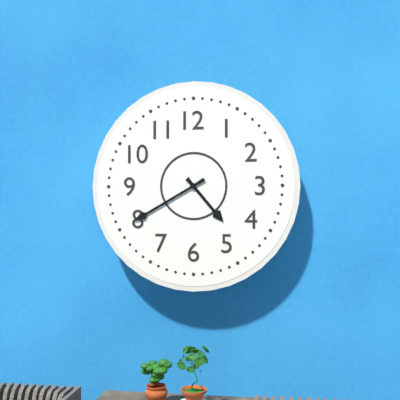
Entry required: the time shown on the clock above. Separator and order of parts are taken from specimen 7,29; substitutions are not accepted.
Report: 4,40
